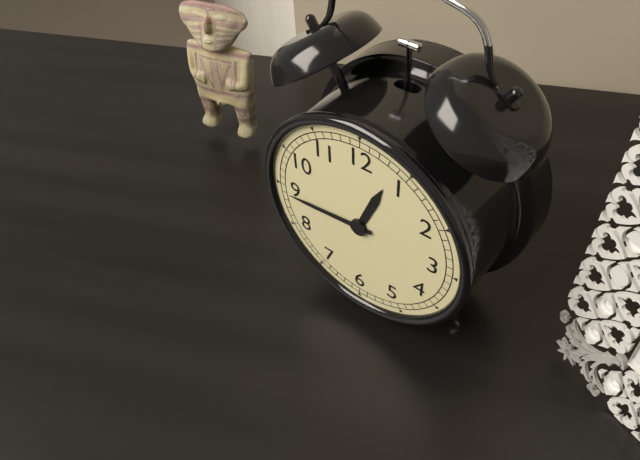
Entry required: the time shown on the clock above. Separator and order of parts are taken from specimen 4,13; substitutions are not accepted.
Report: 12,44
